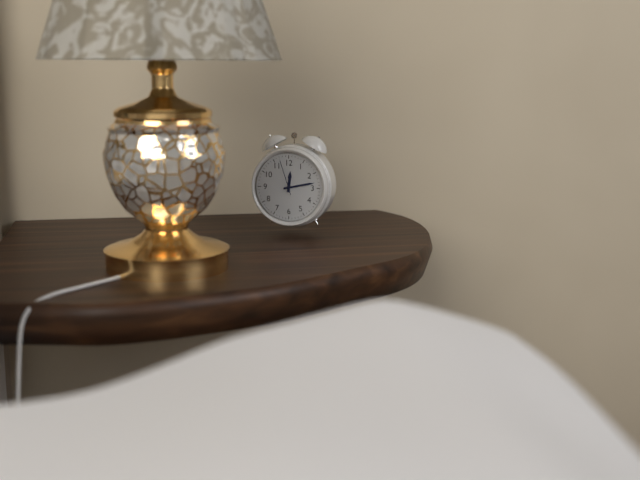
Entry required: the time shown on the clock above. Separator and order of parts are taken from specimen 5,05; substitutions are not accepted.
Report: 12,13
